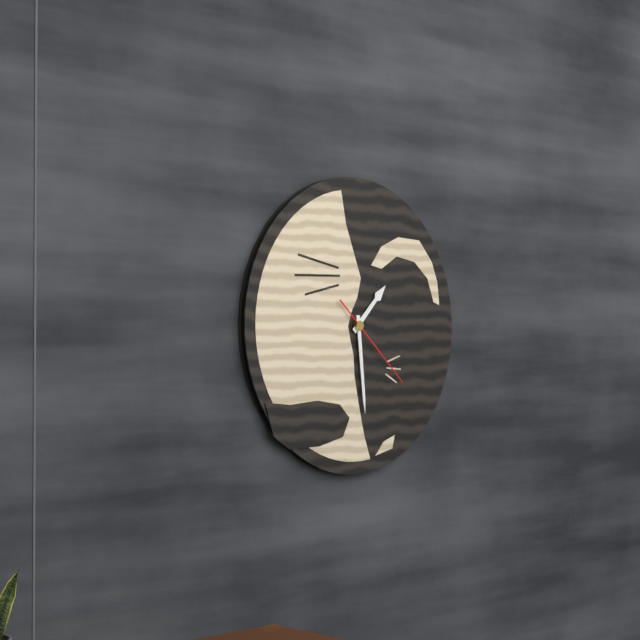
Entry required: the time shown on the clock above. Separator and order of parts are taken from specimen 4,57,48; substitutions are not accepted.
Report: 1,29,22
